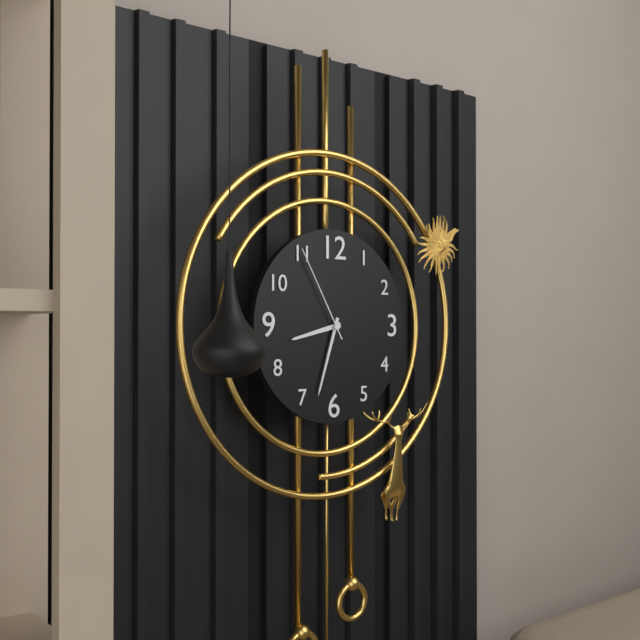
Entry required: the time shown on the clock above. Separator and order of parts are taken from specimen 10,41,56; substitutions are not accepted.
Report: 8,33,55
